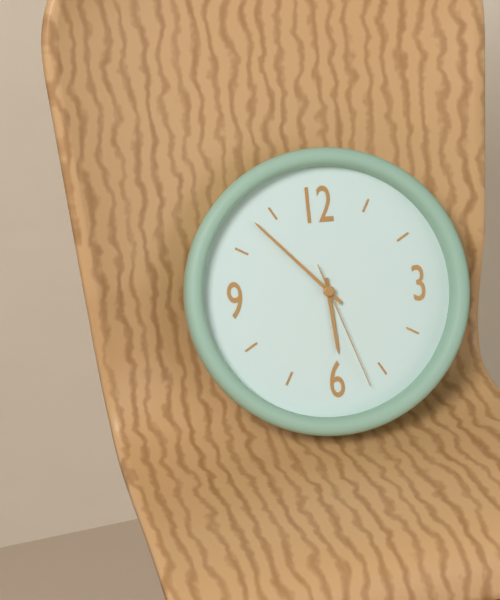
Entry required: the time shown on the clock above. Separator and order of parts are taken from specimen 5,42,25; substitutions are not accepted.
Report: 5,53,27
